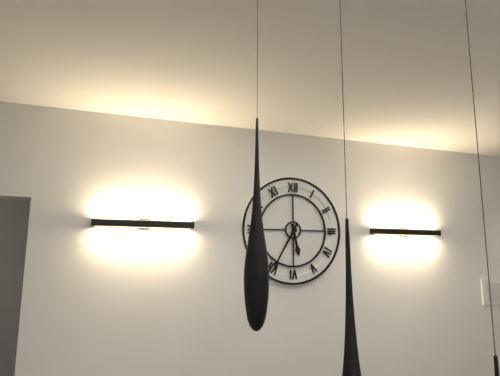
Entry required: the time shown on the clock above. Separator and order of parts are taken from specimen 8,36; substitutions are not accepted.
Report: 5,35
